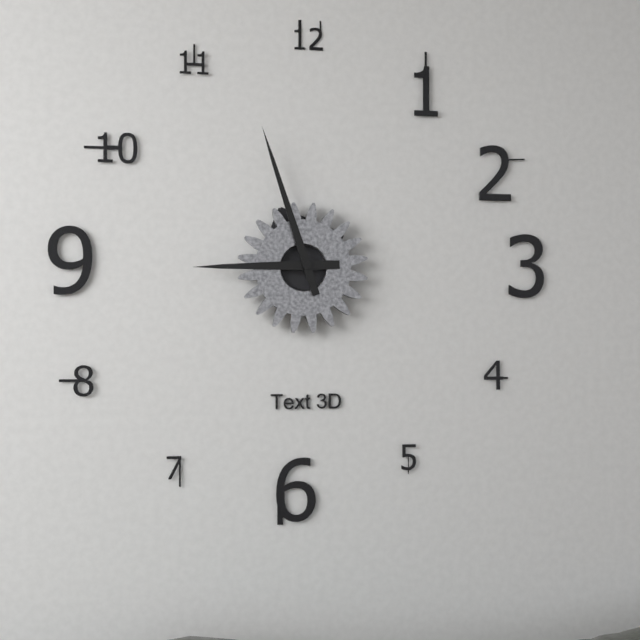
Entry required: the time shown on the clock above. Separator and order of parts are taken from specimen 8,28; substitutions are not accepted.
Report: 8,57
